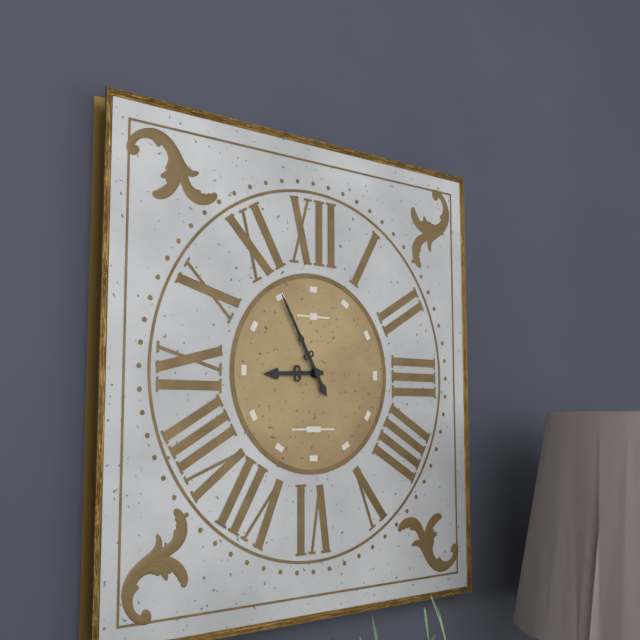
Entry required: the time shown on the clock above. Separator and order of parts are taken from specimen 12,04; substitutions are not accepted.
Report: 8,55
